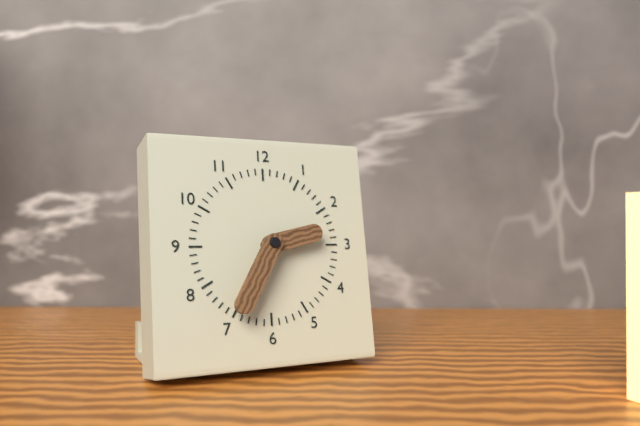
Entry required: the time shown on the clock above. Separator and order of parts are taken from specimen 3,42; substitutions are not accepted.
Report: 2,35
